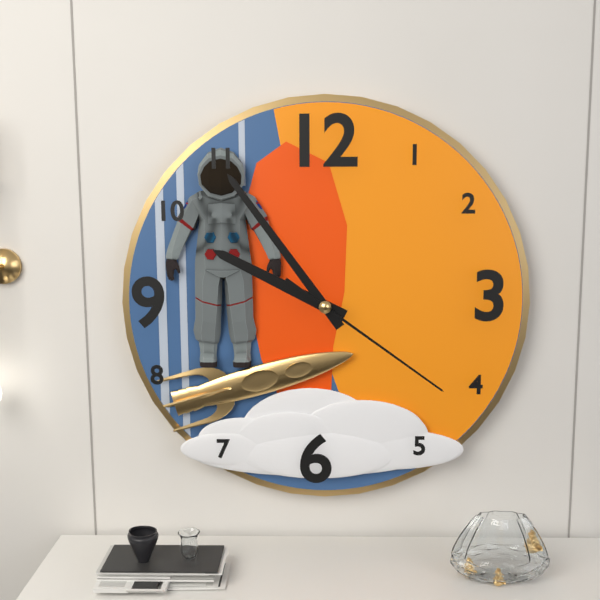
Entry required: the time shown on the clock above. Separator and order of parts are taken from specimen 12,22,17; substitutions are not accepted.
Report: 9,54,21
